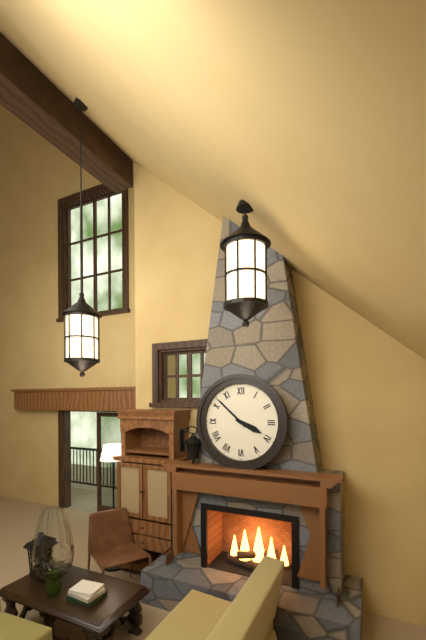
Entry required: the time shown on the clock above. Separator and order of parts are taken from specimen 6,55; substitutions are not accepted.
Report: 3,52
